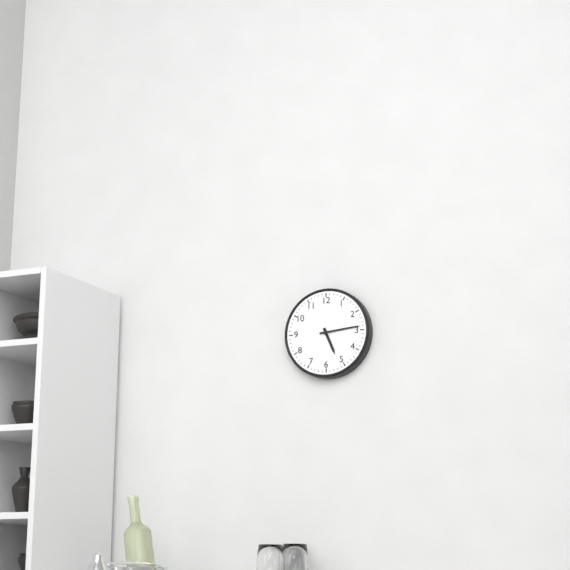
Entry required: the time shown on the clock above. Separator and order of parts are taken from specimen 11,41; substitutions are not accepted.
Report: 5,14
